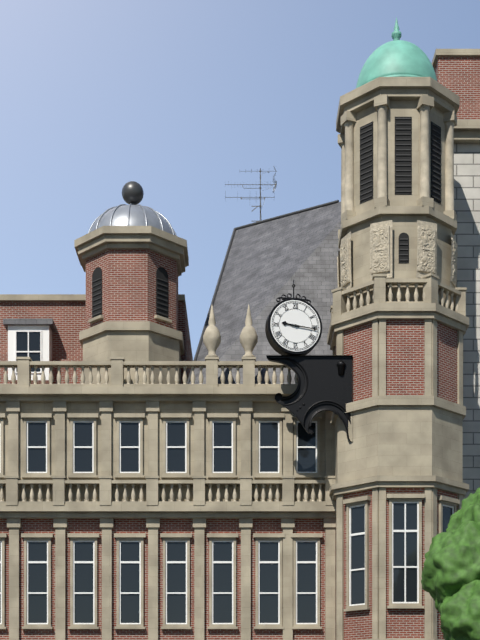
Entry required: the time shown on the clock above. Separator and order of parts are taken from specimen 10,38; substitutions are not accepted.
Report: 9,16
